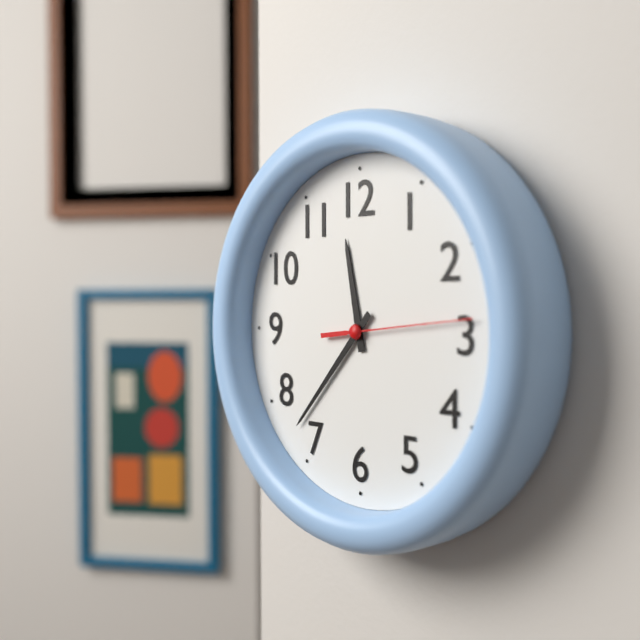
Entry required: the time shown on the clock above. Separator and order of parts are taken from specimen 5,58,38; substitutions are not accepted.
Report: 11,37,14
